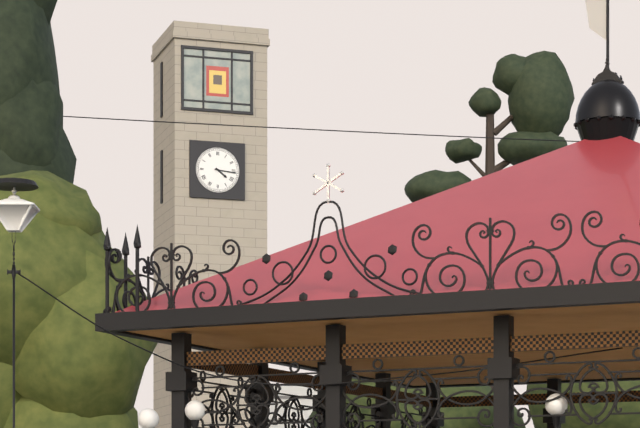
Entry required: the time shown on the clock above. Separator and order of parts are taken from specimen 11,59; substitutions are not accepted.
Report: 4,16
